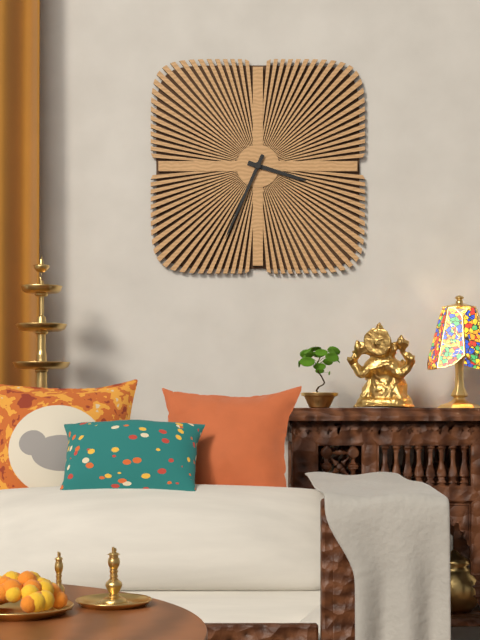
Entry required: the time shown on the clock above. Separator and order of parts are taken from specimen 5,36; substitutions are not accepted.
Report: 3,34
